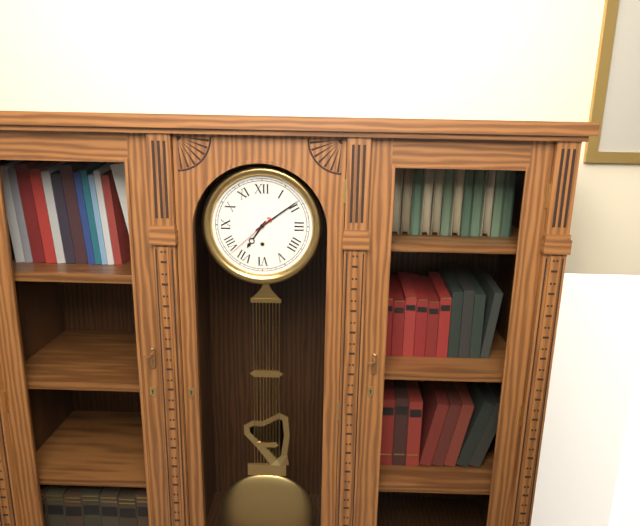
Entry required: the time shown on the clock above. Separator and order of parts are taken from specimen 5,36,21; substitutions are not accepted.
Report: 7,09,38
